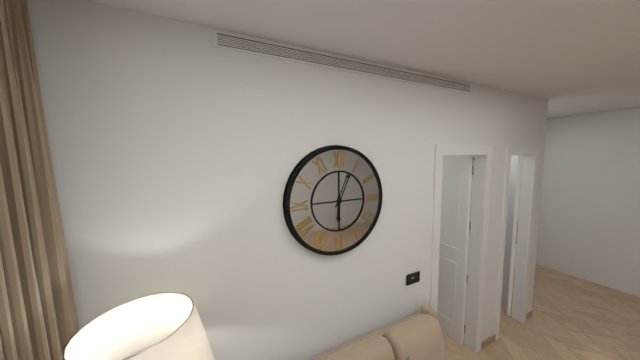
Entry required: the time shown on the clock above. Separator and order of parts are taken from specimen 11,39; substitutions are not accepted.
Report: 6,04
